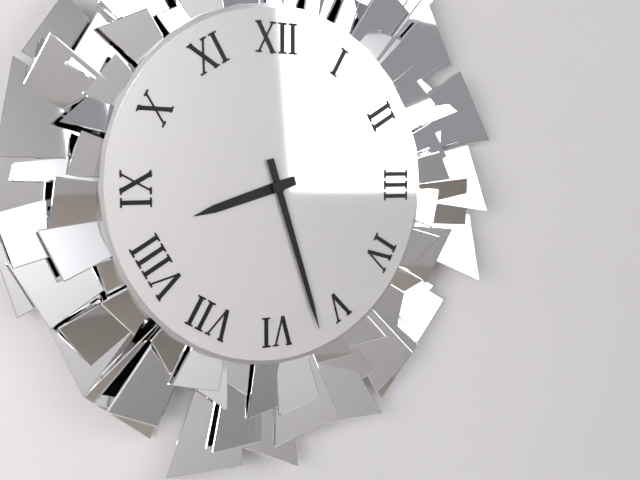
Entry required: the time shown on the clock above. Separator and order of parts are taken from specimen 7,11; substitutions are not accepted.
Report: 8,27
